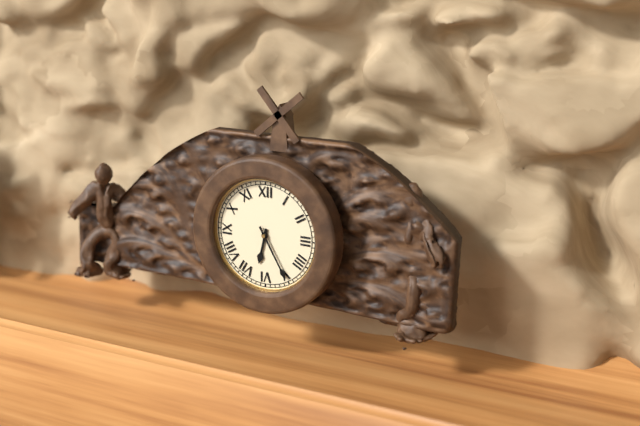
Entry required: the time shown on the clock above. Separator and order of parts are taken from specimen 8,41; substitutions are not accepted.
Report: 6,25
